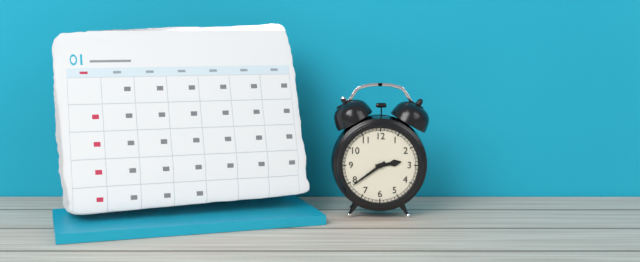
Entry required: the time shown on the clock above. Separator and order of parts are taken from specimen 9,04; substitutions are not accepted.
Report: 2,39
